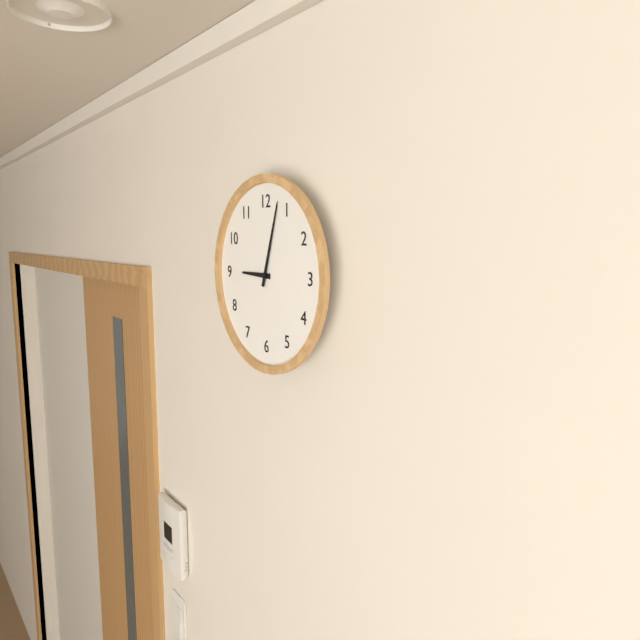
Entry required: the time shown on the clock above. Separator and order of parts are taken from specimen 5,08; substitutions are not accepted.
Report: 9,03
